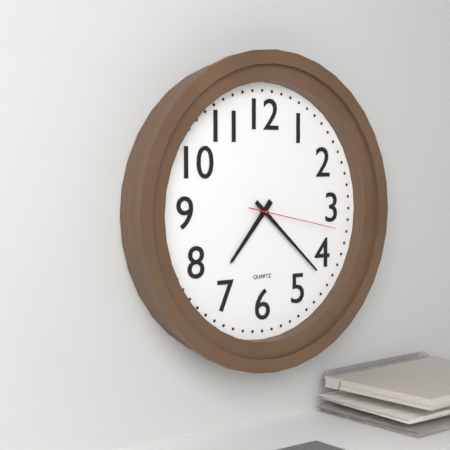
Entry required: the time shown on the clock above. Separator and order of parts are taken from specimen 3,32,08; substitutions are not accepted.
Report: 7,22,17
